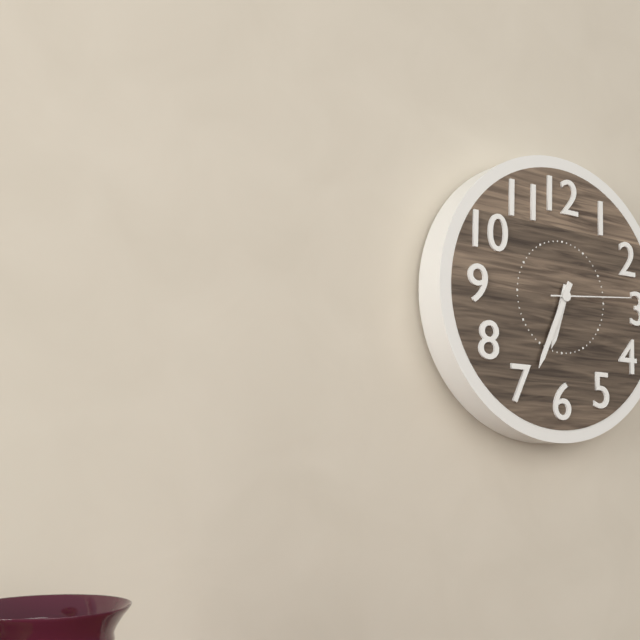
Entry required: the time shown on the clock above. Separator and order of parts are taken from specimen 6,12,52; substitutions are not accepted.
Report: 6,34,14
